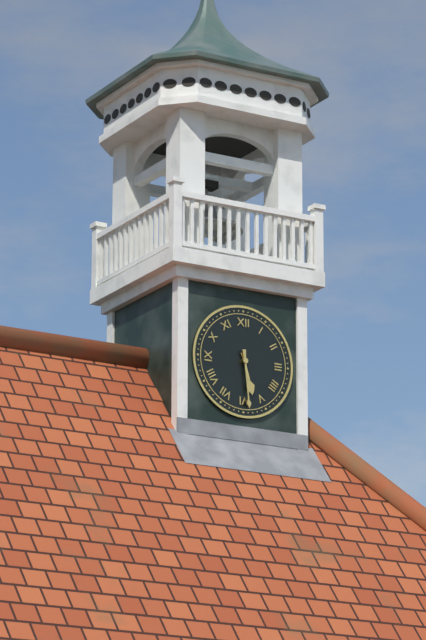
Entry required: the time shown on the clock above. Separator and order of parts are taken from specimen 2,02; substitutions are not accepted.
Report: 5,29
